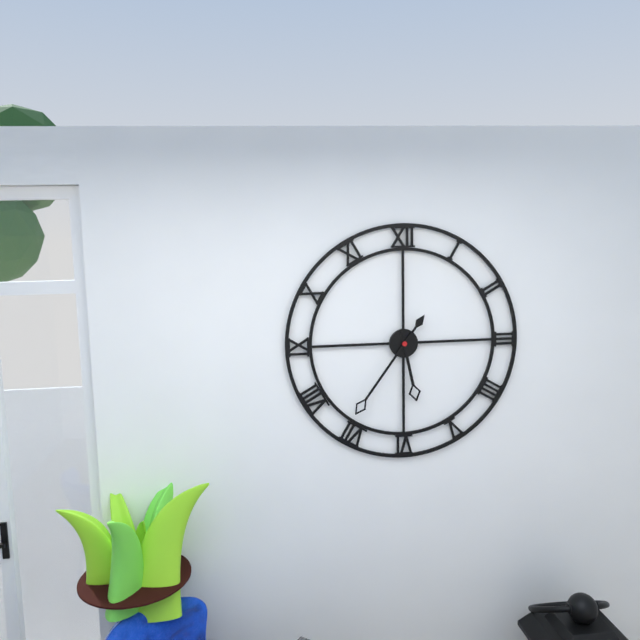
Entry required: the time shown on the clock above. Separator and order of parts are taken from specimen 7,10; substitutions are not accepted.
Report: 5,36
